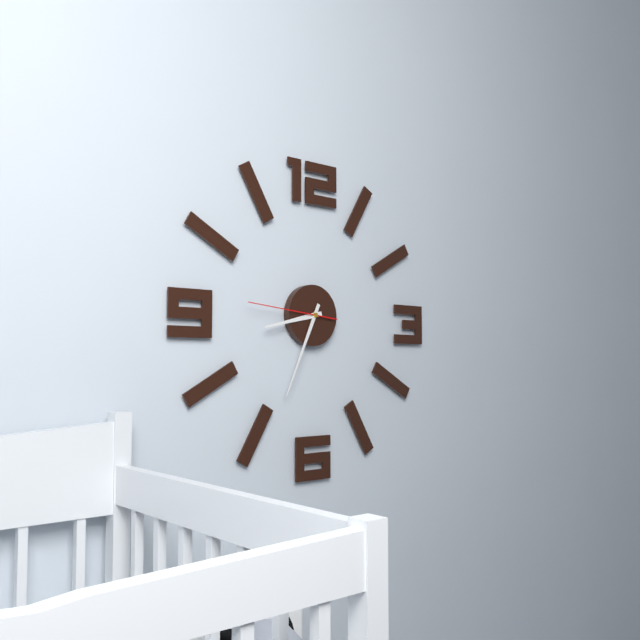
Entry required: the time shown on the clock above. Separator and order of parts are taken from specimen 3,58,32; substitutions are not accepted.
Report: 8,34,46
